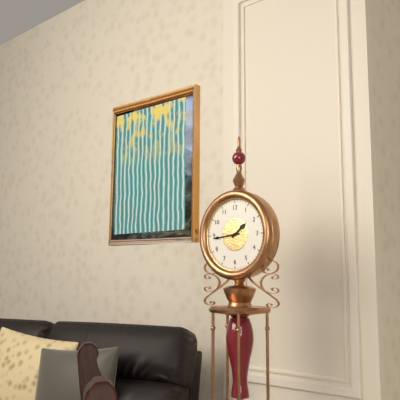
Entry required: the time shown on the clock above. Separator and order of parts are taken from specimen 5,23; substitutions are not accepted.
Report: 1,44
